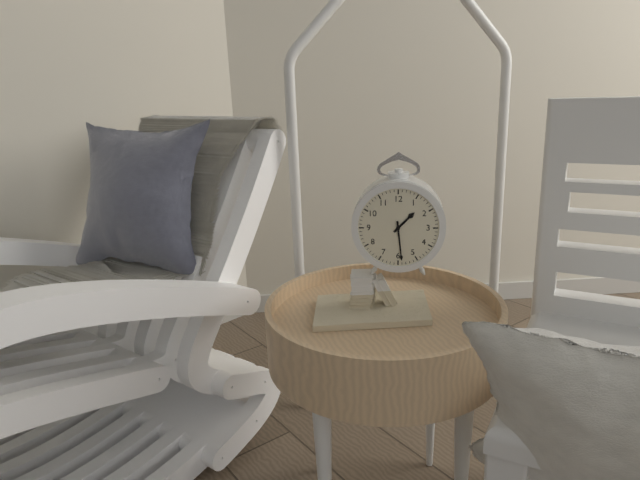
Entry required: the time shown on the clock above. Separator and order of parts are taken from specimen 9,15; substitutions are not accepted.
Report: 1,29
